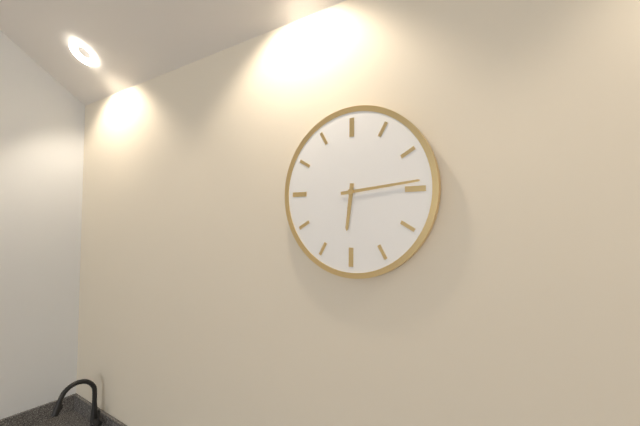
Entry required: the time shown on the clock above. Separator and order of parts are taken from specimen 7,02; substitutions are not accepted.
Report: 6,14
